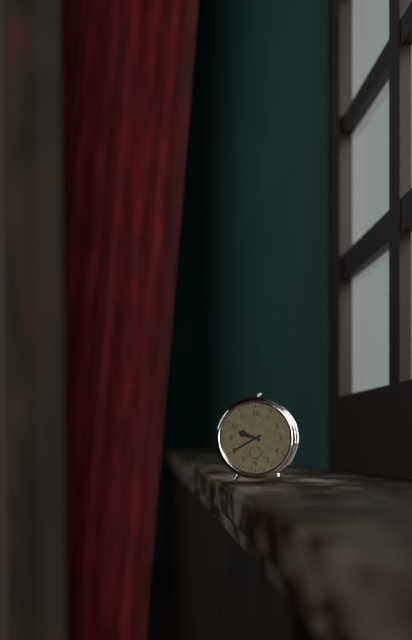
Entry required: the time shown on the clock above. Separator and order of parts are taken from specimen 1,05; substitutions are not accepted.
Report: 9,40
